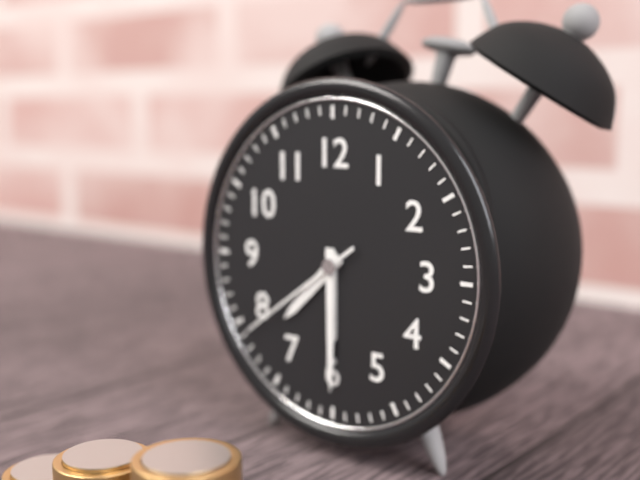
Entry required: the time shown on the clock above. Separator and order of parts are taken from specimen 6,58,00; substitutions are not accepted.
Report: 7,30,39
